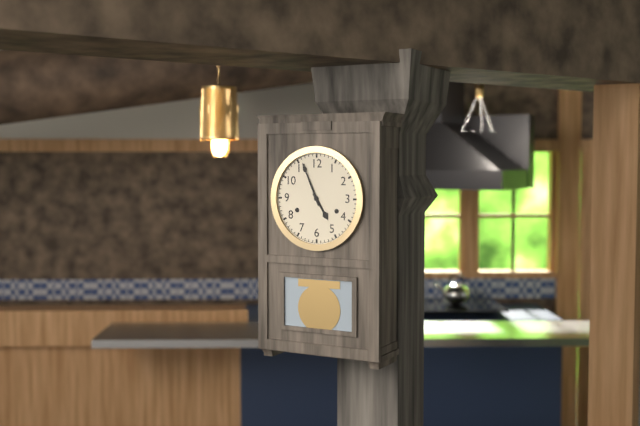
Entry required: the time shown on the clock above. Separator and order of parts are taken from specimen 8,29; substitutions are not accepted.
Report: 4,56
